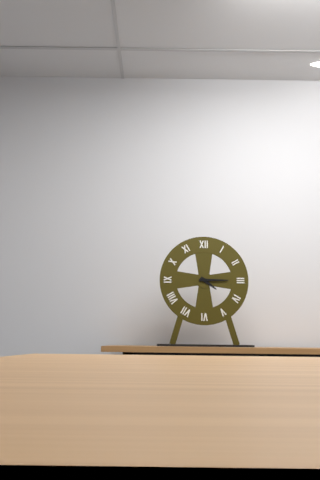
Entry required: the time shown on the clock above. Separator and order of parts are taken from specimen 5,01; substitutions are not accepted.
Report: 4,15
